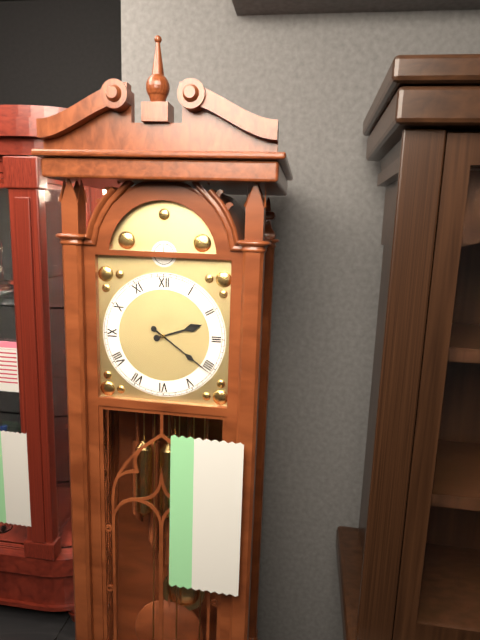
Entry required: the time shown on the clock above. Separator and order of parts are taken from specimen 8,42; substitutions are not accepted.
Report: 2,21
